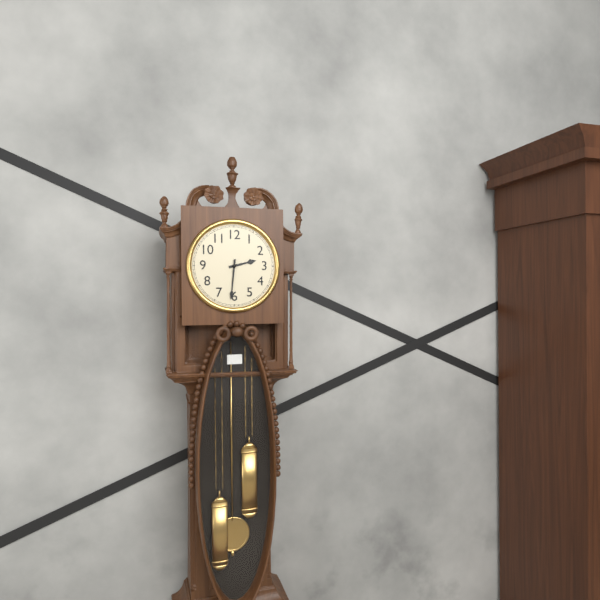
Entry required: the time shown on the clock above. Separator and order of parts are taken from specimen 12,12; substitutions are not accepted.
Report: 2,31
